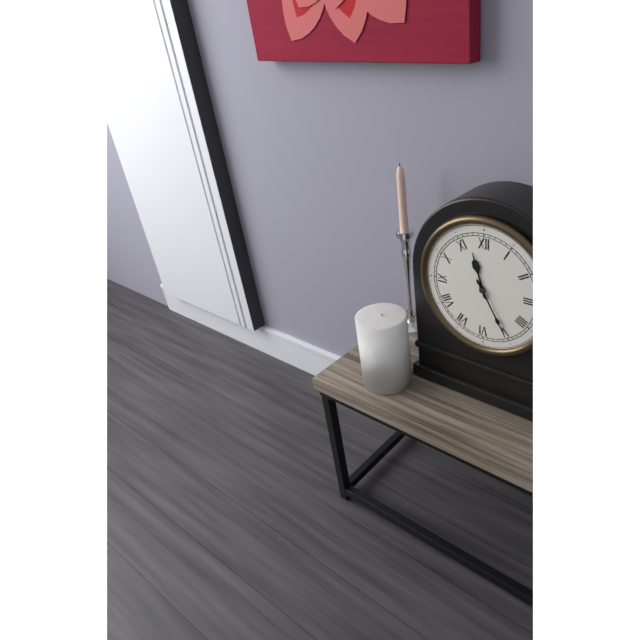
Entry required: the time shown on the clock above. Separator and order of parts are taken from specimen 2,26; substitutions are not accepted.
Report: 11,25
